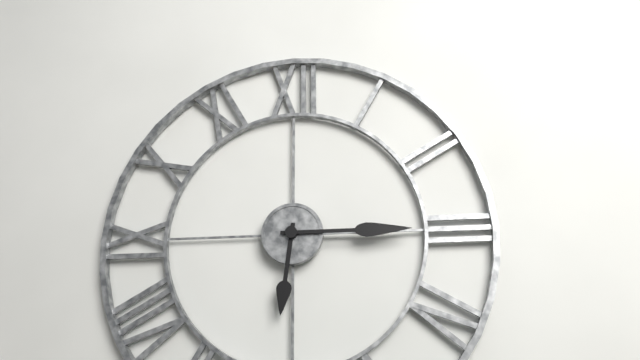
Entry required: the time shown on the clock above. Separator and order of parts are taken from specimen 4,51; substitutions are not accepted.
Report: 6,15
